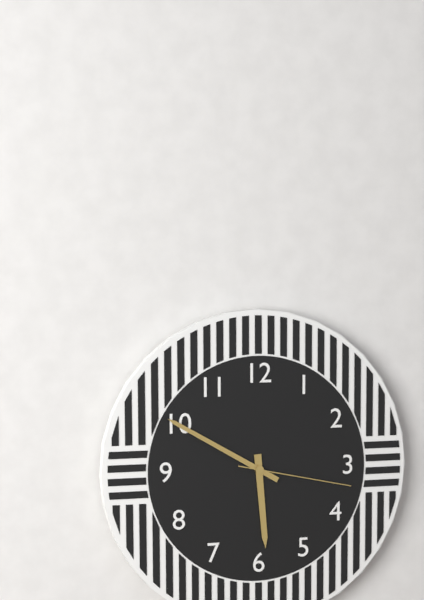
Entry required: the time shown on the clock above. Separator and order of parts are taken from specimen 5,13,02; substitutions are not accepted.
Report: 5,50,17
